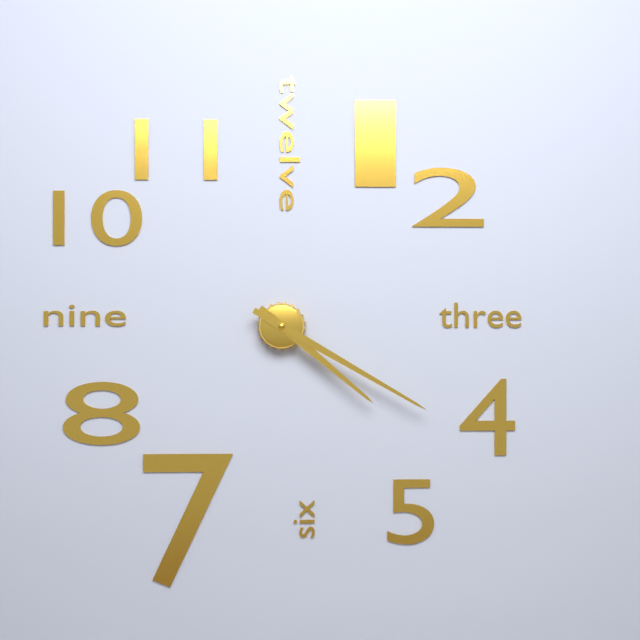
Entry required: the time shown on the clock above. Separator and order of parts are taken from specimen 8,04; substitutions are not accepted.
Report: 4,20
